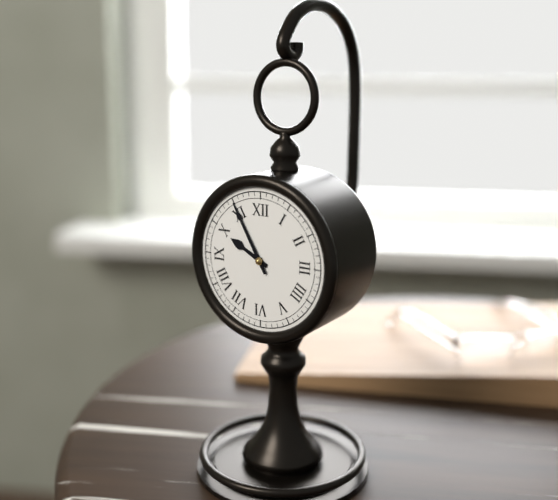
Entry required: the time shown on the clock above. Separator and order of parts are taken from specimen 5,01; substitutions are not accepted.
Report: 9,55
